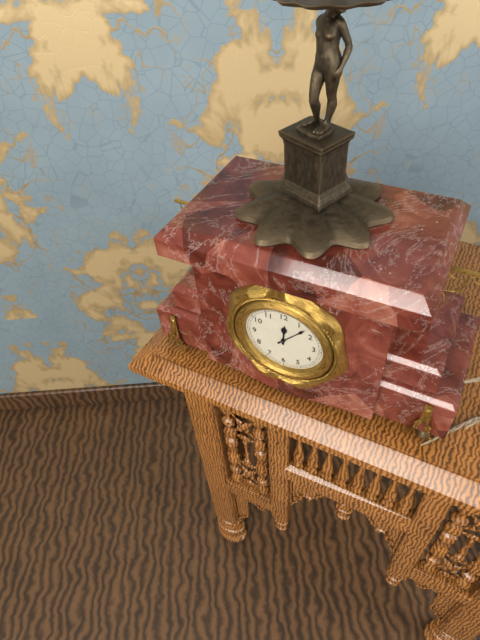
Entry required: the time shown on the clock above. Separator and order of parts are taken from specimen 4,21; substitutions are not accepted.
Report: 12,07
